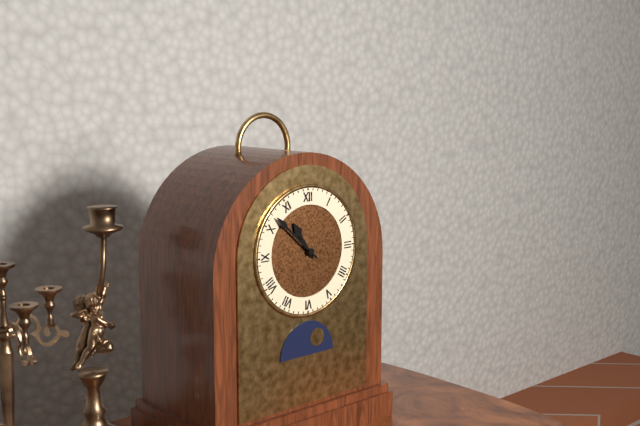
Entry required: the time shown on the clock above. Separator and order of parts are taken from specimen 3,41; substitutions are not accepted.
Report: 10,52
